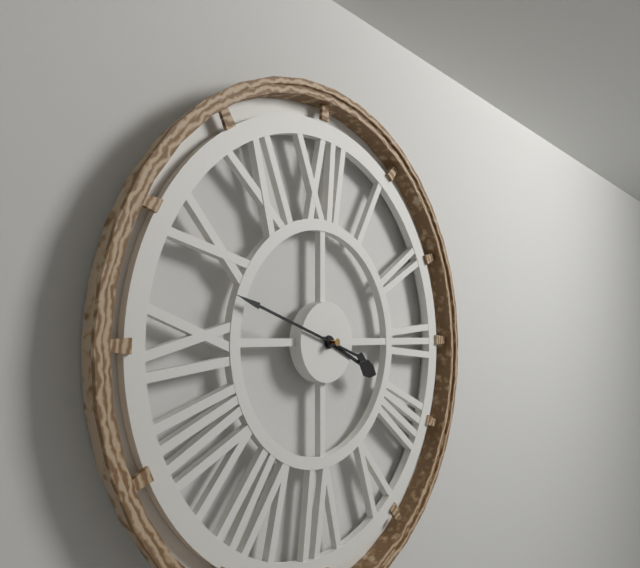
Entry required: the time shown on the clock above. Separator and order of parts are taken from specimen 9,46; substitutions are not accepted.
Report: 3,48
